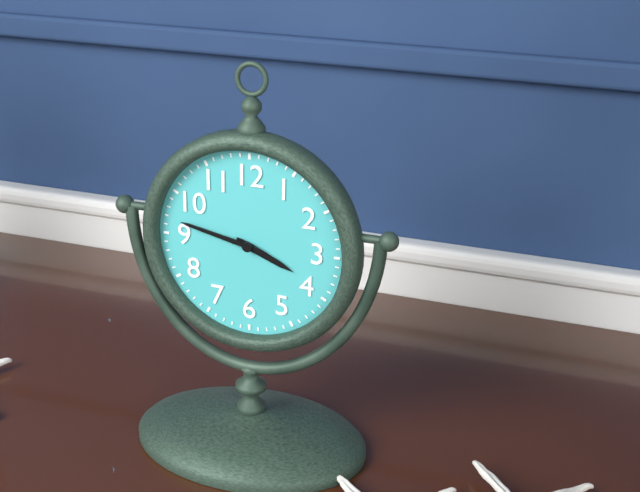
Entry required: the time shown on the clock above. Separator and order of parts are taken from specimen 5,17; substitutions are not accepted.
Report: 3,47
